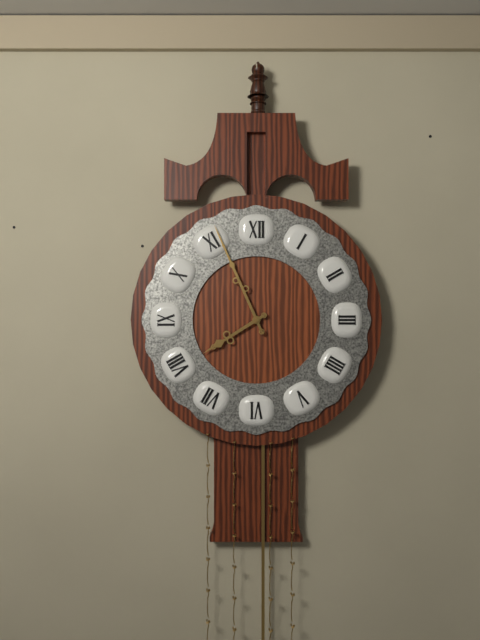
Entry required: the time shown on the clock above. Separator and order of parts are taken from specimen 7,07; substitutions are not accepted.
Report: 7,56
